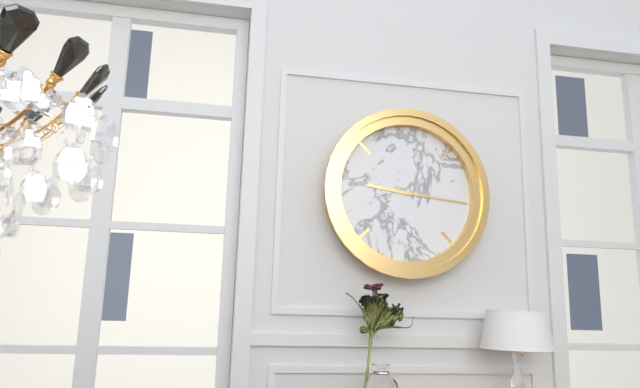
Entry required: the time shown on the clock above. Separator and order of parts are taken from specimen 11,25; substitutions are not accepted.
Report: 9,16
